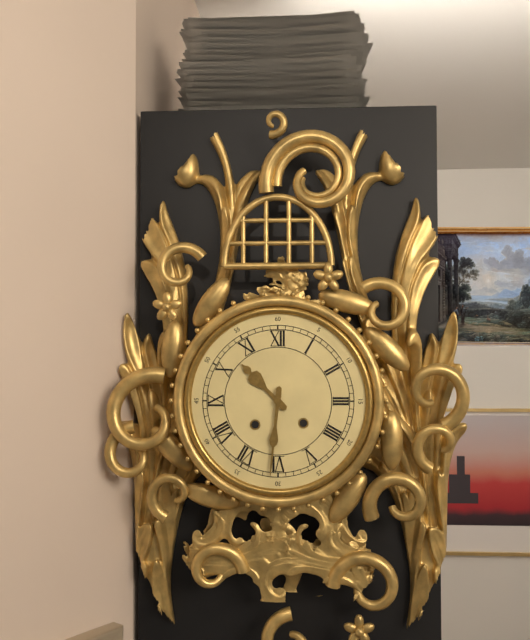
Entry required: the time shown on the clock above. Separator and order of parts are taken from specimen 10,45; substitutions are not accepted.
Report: 10,31
